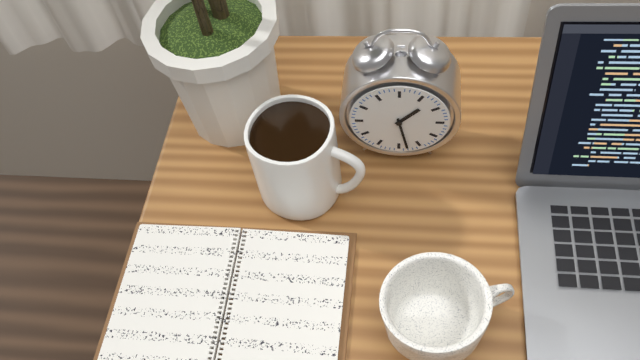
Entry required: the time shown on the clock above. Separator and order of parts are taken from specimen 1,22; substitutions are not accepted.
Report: 1,28
